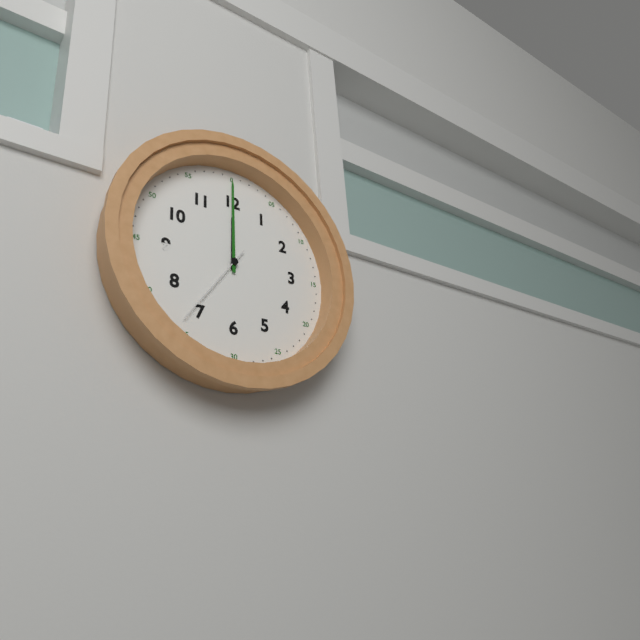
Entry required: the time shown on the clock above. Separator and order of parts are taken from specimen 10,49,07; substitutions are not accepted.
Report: 12,00,36
